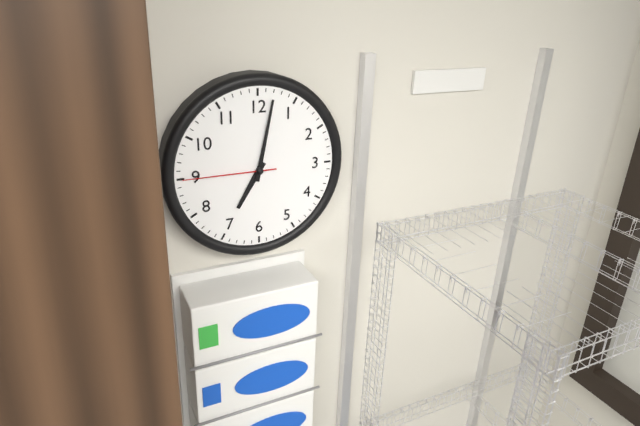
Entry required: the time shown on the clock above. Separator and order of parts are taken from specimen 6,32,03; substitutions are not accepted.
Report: 7,02,45
